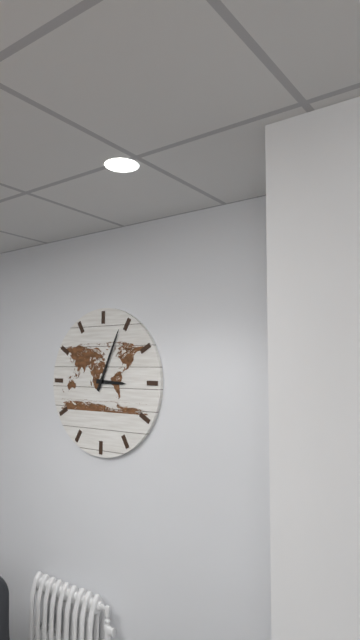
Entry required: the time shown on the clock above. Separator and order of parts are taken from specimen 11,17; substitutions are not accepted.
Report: 3,04
